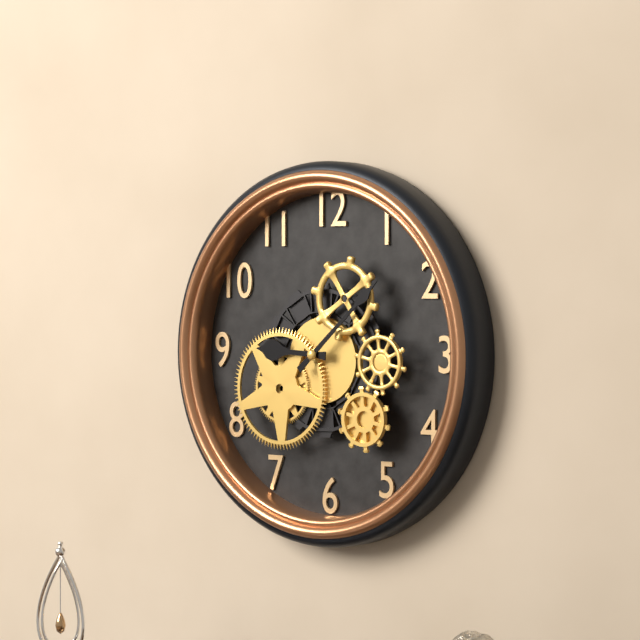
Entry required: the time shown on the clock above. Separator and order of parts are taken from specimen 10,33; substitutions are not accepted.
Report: 9,08
